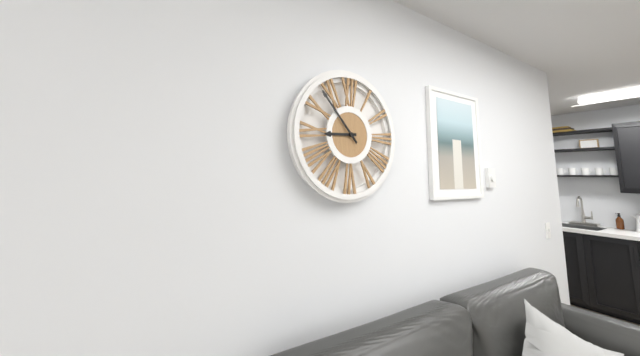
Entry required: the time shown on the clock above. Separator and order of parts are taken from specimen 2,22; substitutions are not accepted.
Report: 8,53
